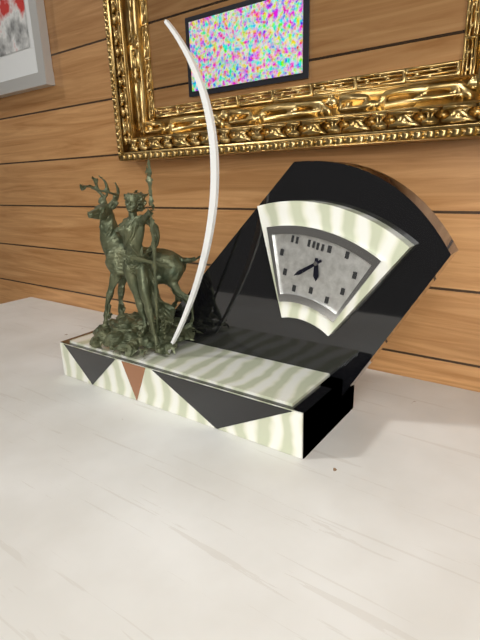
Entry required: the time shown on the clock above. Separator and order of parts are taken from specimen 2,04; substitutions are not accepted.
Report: 5,38
